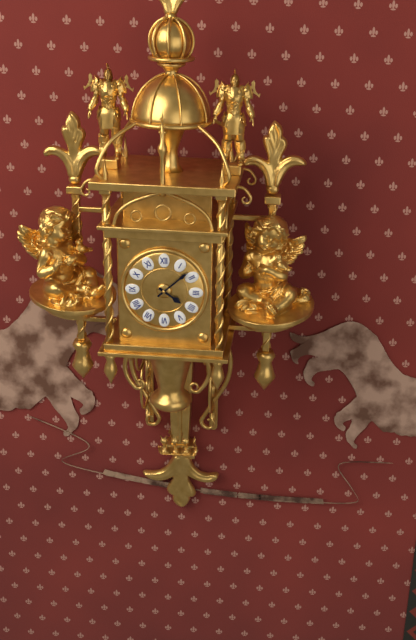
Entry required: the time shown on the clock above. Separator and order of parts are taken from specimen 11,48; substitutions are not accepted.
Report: 4,08
